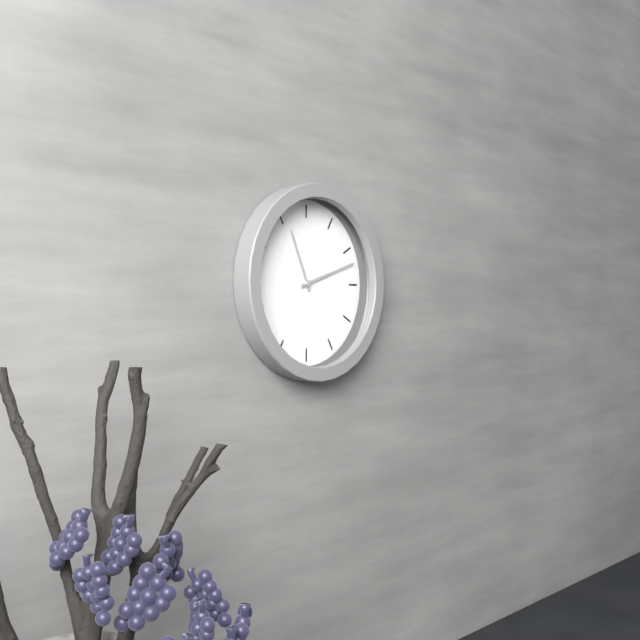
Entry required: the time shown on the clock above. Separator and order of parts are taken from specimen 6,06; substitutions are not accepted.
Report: 11,12
